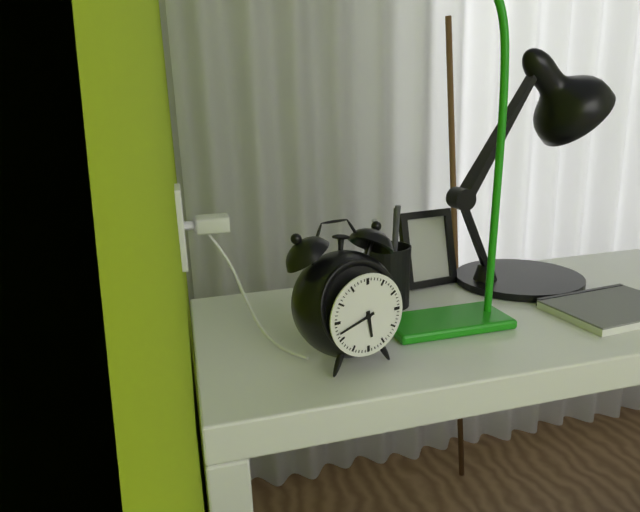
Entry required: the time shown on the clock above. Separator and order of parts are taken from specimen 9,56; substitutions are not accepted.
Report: 5,42
